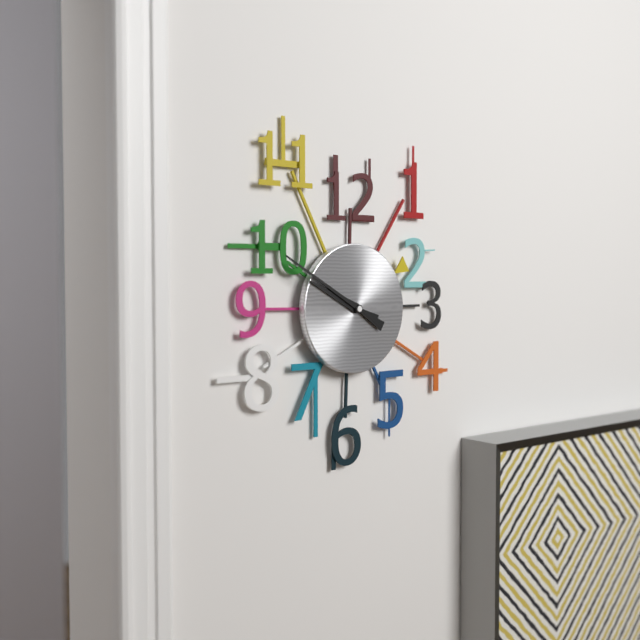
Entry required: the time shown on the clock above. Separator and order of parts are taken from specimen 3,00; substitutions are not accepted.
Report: 9,50
